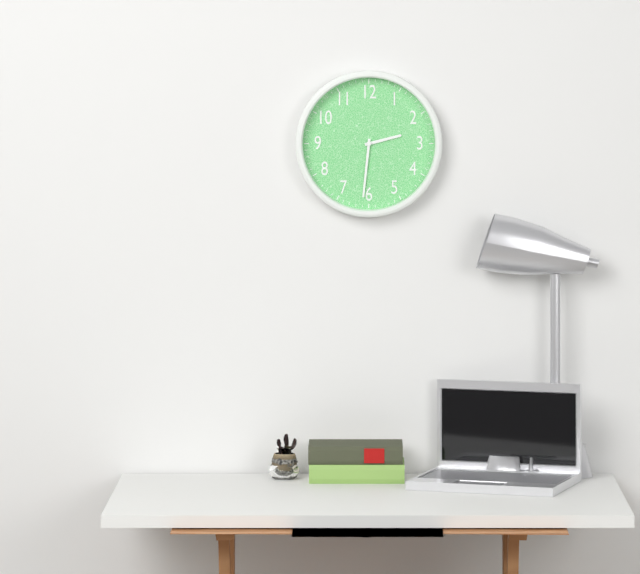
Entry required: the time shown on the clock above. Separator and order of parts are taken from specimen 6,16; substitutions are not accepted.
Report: 2,31
